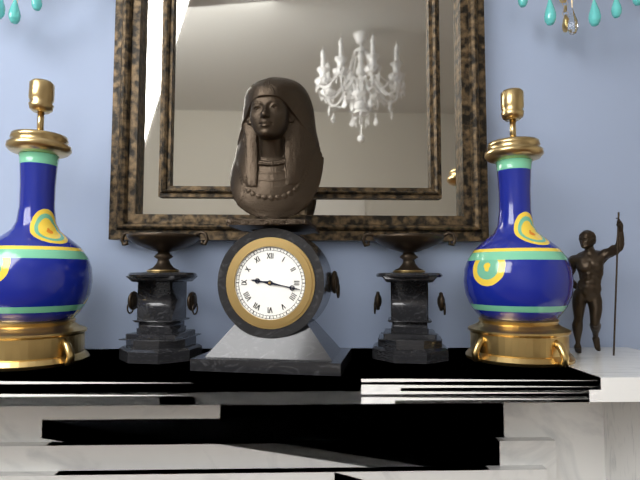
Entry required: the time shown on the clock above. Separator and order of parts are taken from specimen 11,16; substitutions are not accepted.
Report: 9,17
